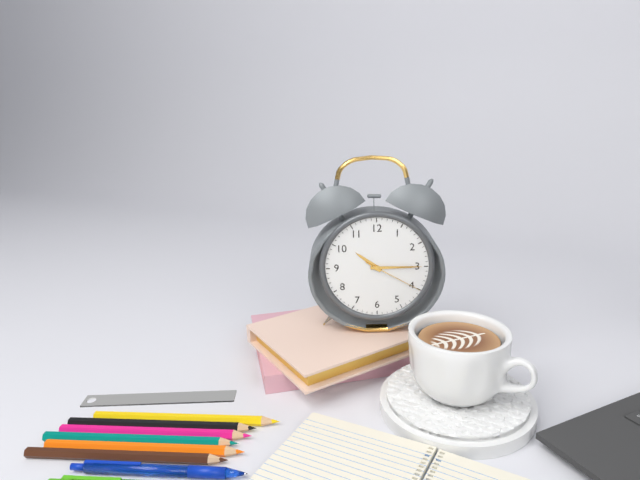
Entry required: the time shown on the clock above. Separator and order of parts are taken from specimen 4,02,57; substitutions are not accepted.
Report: 10,15,20
